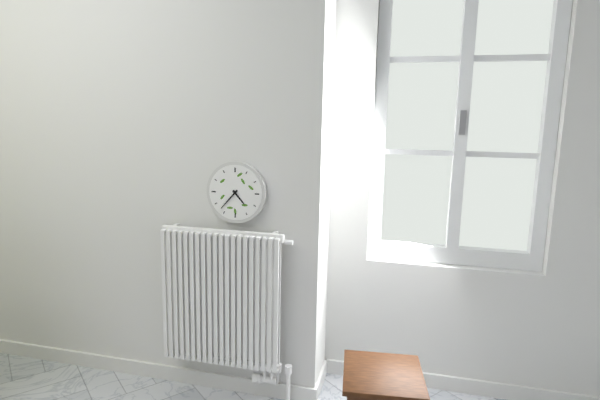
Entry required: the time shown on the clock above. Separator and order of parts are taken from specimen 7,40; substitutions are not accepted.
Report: 4,37
